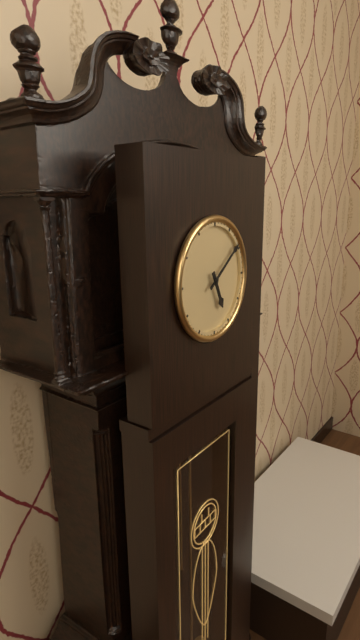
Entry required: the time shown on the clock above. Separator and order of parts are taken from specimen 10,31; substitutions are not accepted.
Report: 5,09
